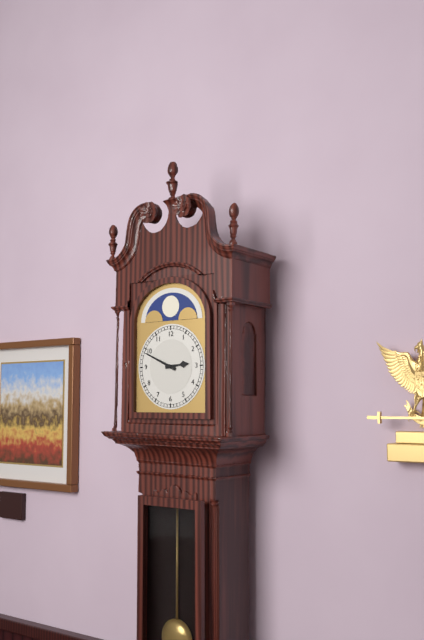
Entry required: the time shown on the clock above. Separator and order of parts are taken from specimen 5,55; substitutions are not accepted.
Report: 2,49
